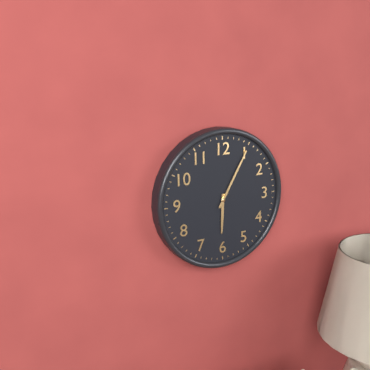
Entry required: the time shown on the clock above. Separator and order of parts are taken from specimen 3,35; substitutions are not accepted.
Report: 6,05
